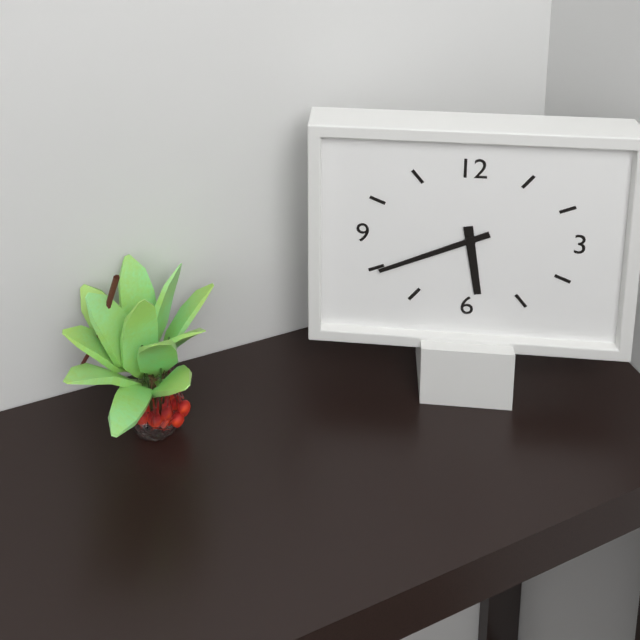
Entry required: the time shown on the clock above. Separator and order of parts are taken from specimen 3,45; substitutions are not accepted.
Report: 5,41
